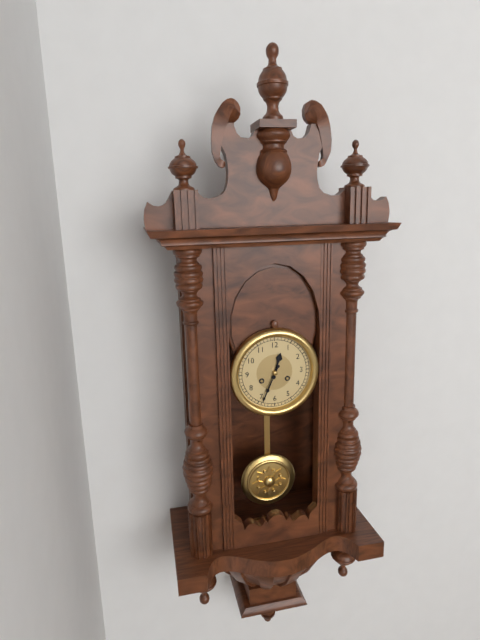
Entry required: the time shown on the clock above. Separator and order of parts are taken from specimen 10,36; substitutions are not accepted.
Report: 12,34
